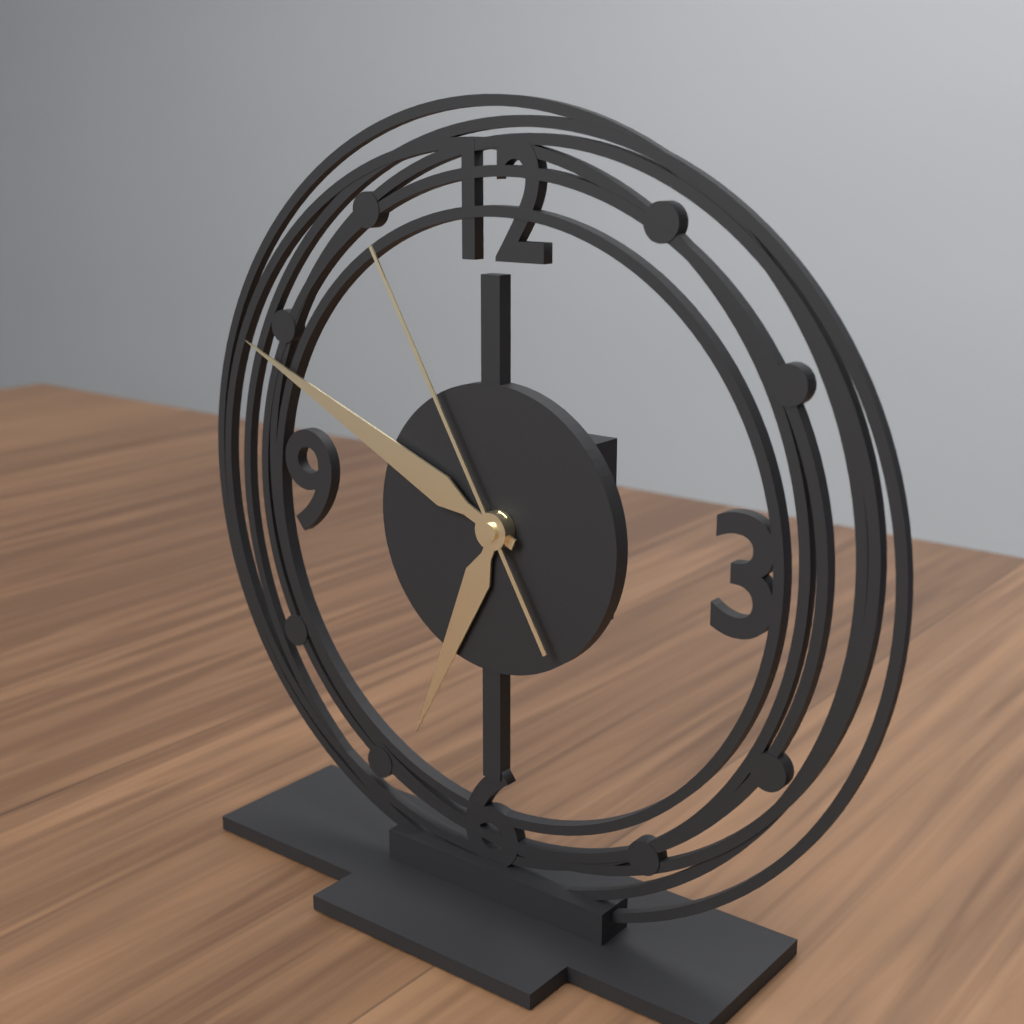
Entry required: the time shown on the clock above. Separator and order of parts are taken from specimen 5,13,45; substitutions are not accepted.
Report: 6,49,55
